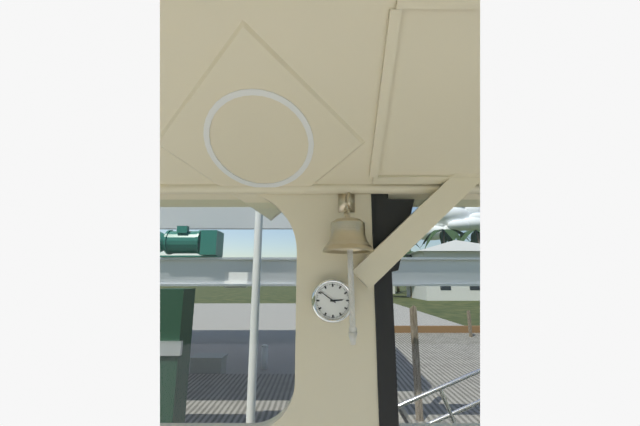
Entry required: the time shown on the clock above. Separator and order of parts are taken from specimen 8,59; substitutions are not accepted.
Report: 2,51
